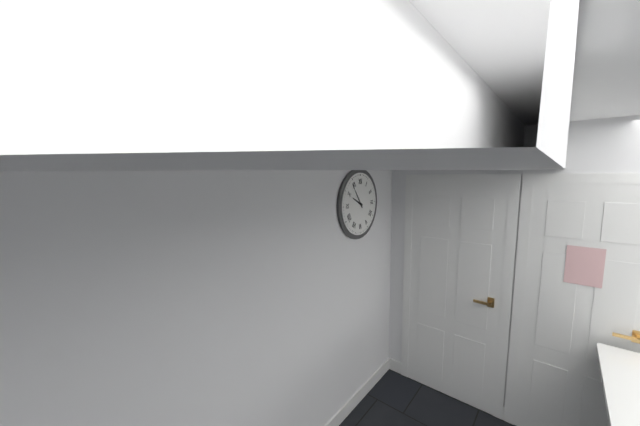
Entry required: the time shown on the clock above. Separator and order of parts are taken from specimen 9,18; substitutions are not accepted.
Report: 9,54
